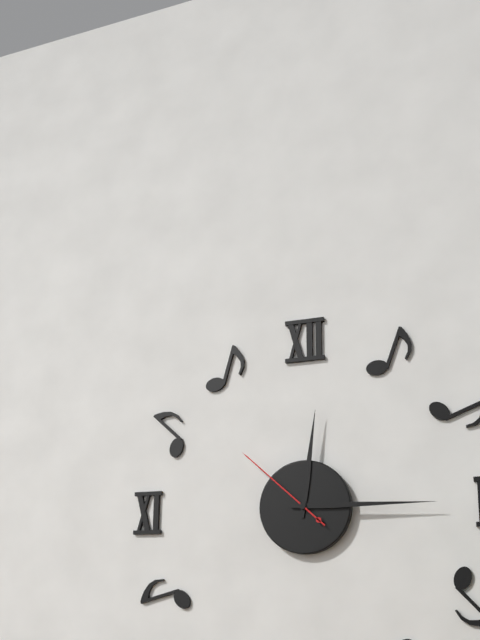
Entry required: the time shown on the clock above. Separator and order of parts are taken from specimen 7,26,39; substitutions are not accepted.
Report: 12,15,52
